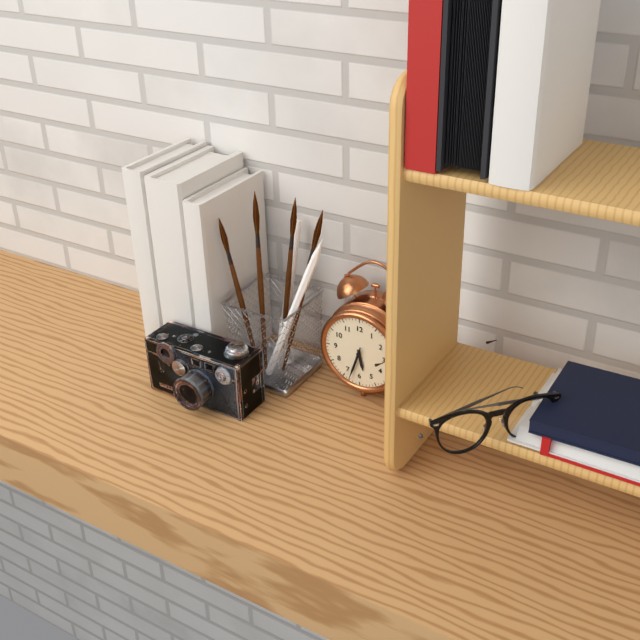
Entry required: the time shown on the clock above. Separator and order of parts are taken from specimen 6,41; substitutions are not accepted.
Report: 5,33
